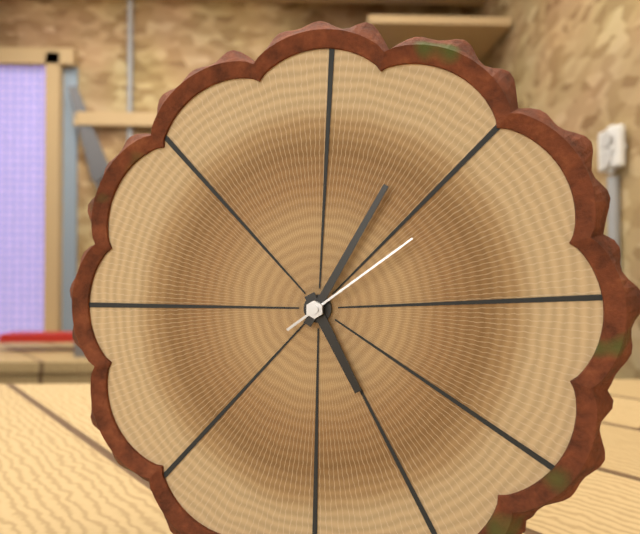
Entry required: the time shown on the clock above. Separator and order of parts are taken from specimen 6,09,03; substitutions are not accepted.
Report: 5,05,09
